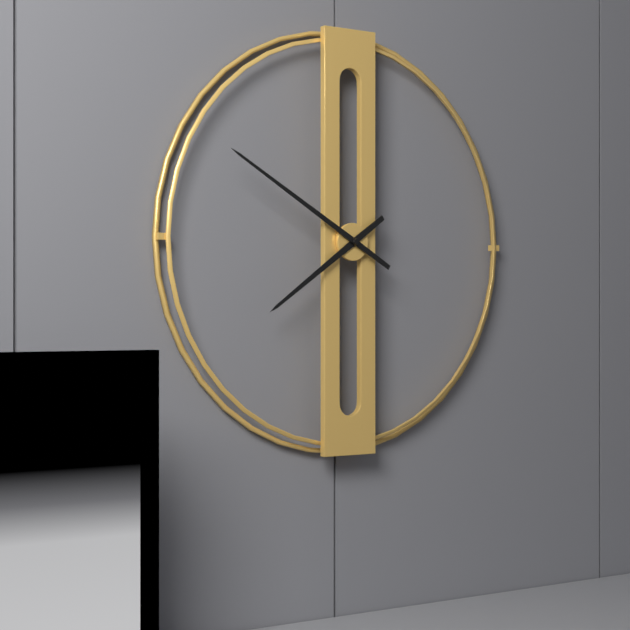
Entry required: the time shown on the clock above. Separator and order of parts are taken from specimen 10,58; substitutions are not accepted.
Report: 7,50
